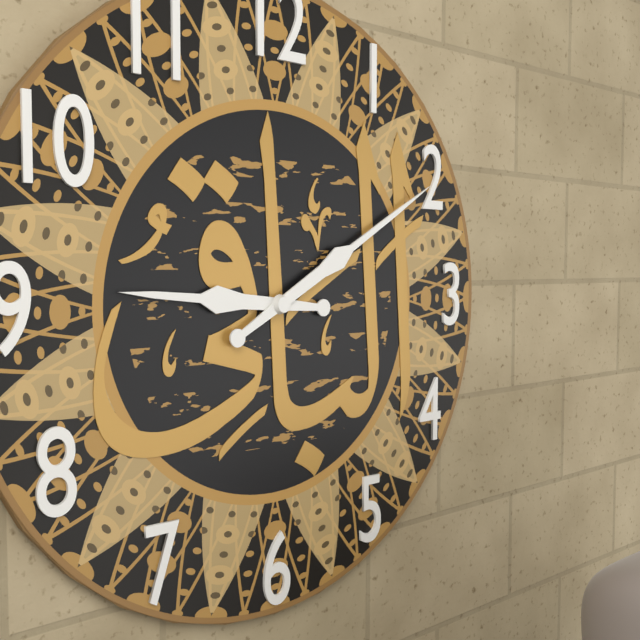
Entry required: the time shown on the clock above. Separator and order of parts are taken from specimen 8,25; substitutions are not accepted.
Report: 9,10
